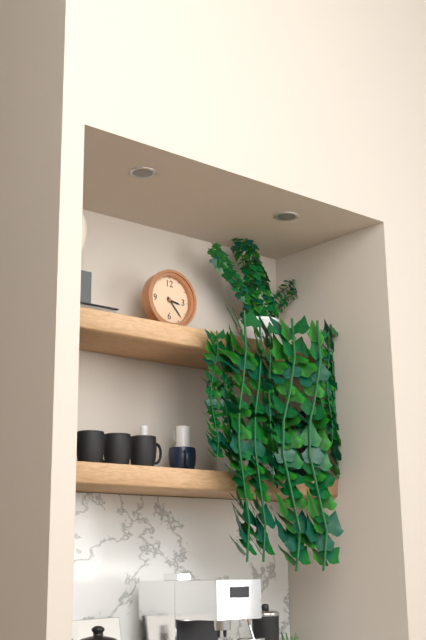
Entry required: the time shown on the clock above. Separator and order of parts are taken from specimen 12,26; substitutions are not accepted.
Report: 3,23
